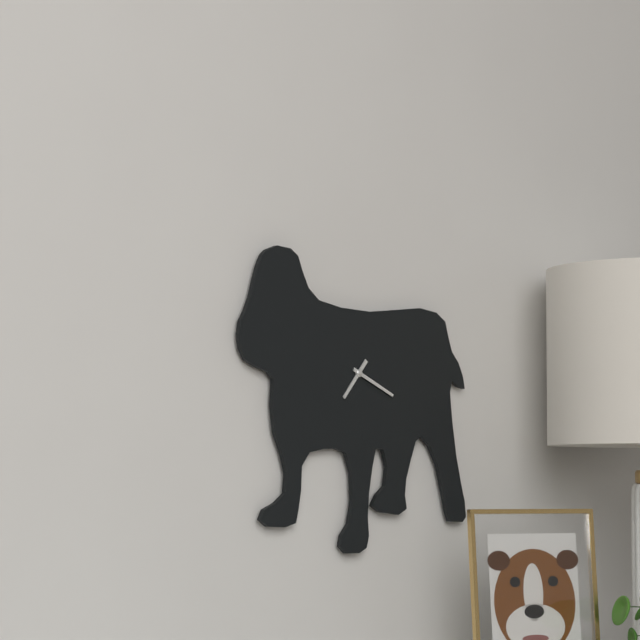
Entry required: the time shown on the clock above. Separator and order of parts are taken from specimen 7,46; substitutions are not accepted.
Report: 7,19
